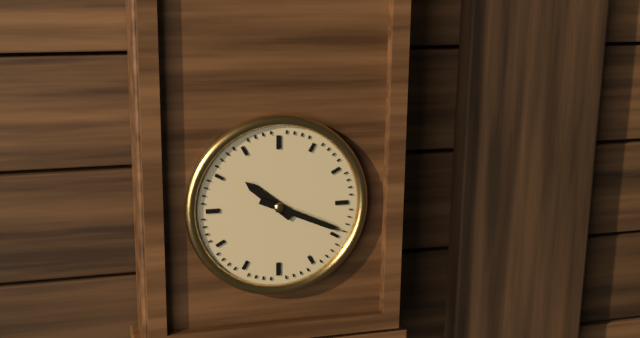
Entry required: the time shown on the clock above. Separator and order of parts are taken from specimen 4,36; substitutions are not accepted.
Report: 10,19
